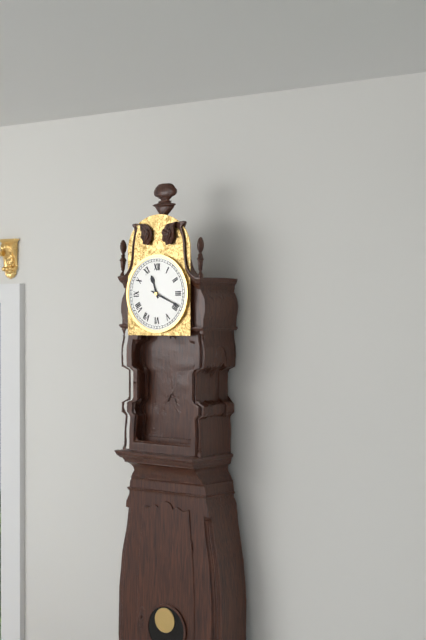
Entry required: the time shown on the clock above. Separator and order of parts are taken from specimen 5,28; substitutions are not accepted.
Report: 11,19
